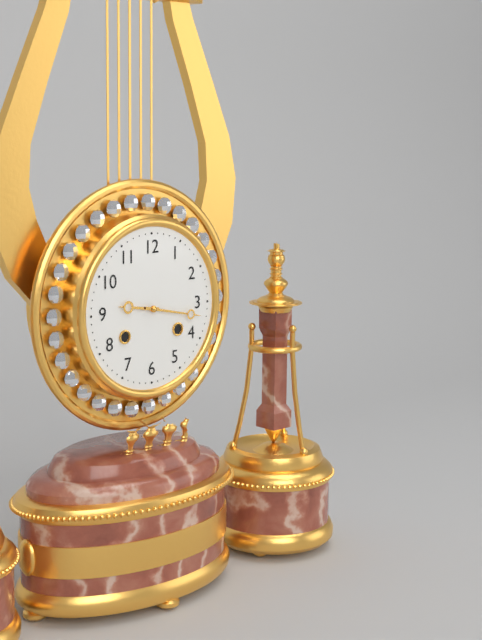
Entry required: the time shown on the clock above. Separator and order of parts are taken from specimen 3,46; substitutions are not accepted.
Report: 9,17
